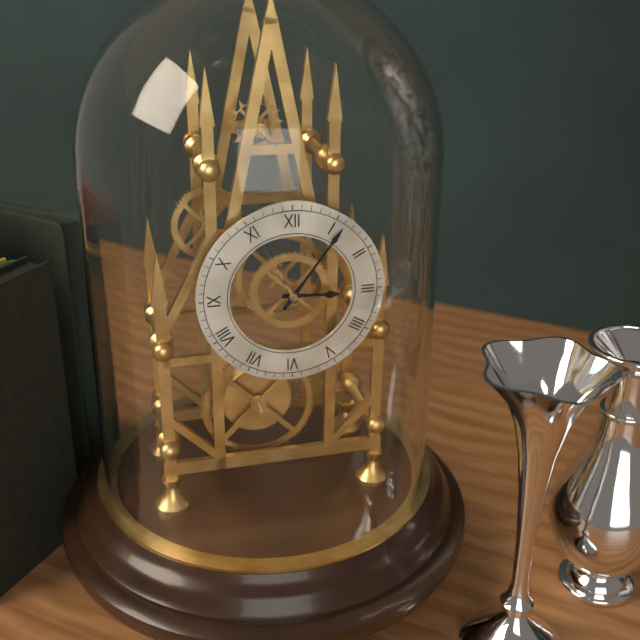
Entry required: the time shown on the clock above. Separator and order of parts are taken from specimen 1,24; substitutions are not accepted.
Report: 3,06
